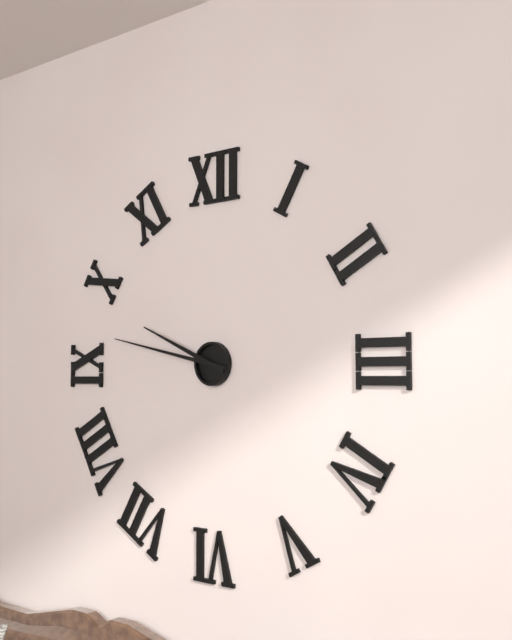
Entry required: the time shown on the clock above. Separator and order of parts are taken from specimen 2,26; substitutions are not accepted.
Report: 9,47
